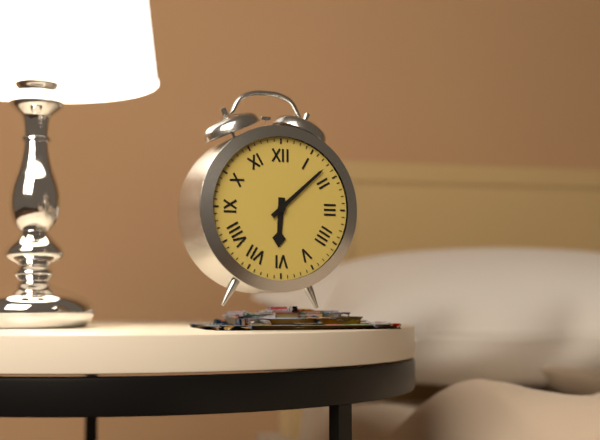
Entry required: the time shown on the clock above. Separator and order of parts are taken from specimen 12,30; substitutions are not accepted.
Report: 6,08
